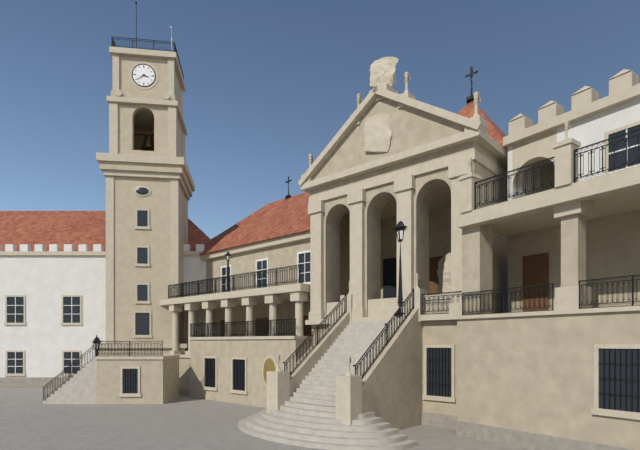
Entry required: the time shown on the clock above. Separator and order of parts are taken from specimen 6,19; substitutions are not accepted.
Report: 3,39
